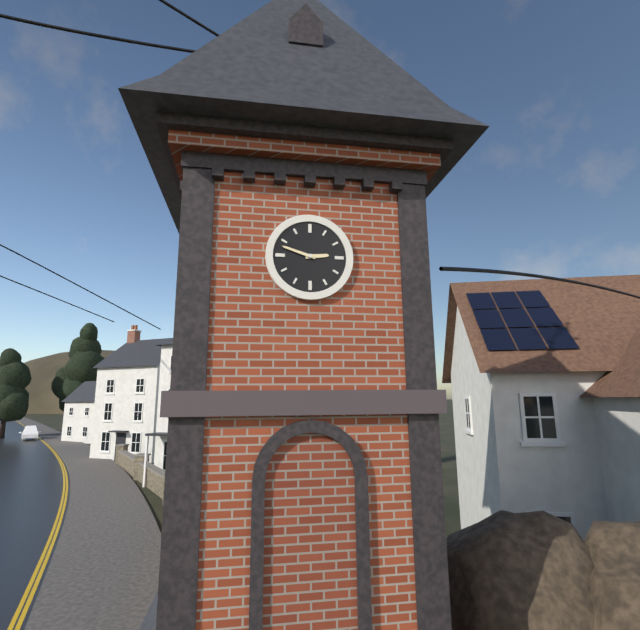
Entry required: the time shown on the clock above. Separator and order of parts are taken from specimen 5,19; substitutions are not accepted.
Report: 2,48
